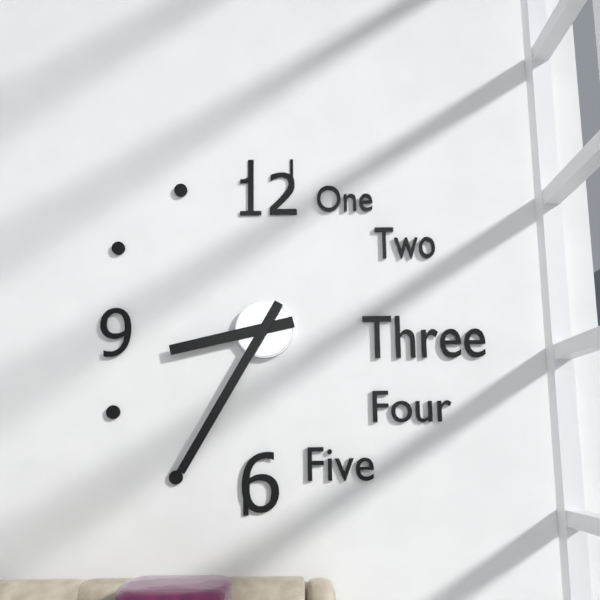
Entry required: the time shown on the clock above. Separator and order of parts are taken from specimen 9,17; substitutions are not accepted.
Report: 8,35
